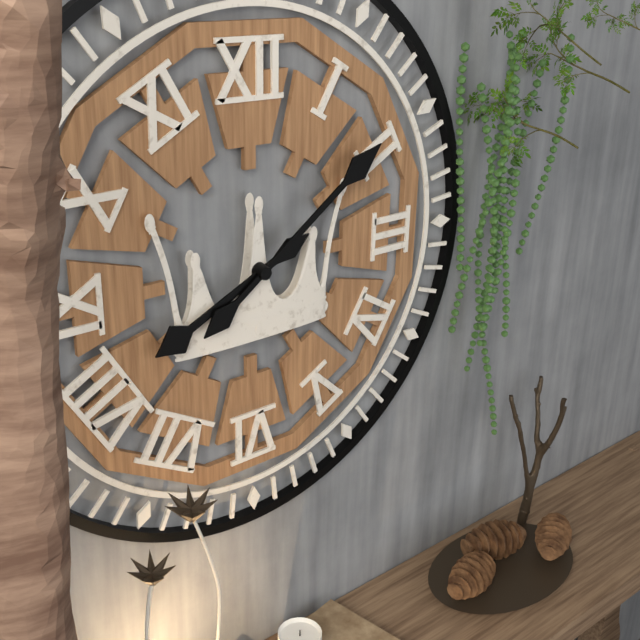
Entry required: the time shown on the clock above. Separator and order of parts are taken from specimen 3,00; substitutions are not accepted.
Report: 8,09
